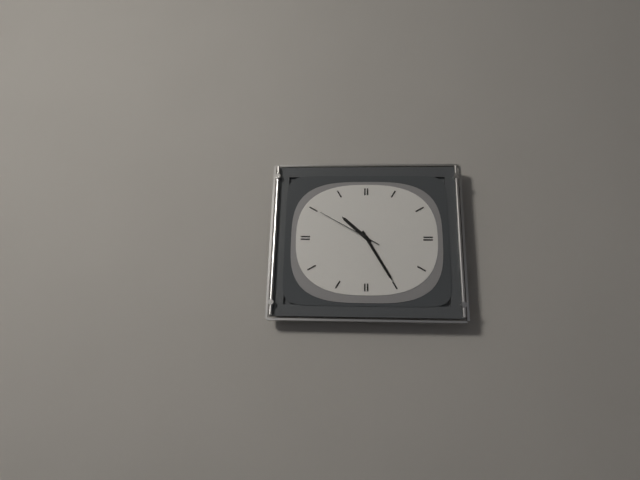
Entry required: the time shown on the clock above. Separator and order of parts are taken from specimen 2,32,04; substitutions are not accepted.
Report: 10,25,50
